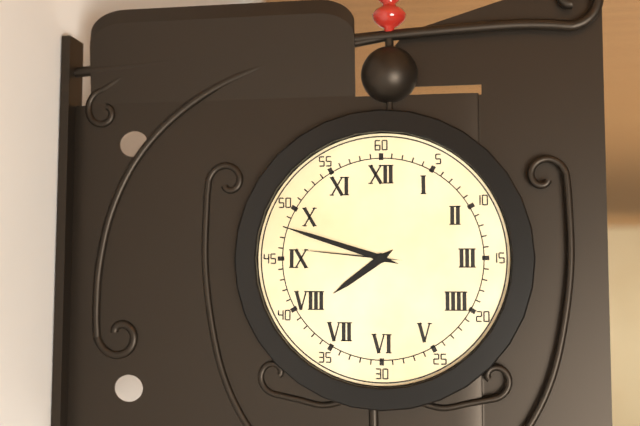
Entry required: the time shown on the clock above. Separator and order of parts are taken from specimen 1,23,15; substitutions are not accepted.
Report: 7,48,46
